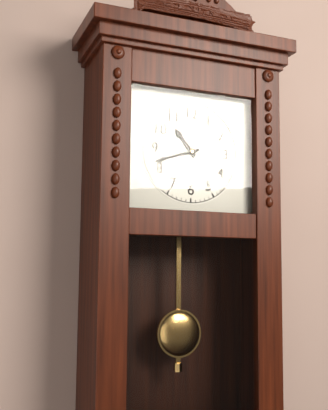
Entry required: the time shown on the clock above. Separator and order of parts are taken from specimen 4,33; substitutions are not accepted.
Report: 10,42
